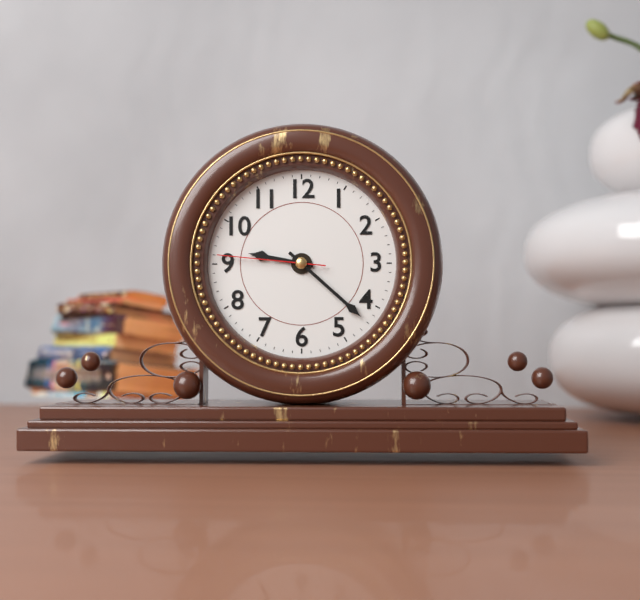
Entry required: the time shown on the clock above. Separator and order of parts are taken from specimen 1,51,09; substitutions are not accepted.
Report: 9,22,46
